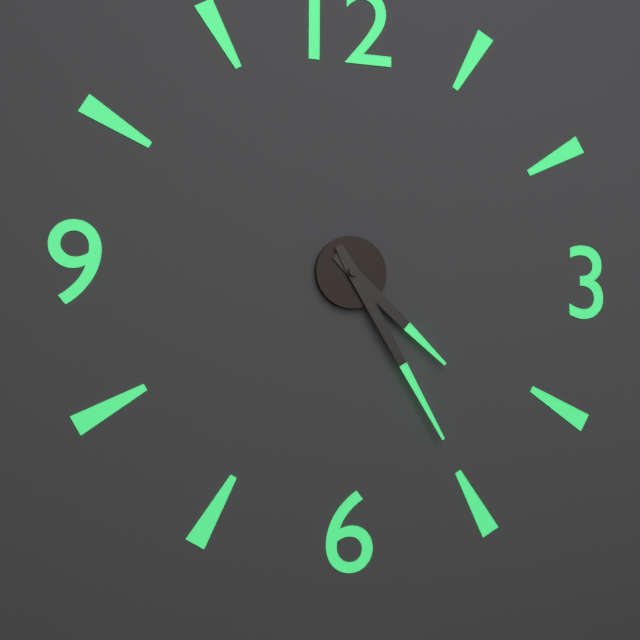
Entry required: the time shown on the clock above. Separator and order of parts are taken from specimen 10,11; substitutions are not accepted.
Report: 4,25
